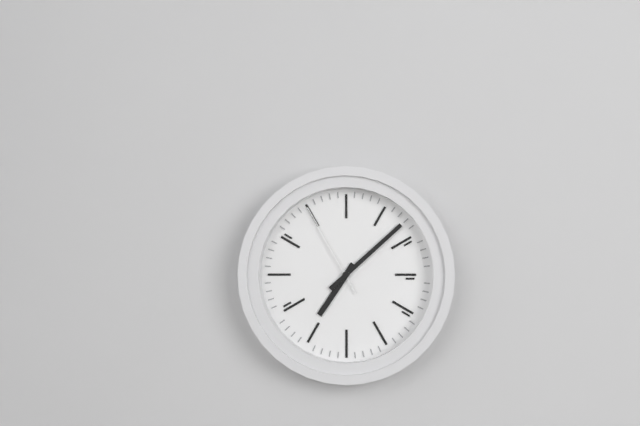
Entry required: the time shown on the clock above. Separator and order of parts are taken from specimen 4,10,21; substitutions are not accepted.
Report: 7,08,55
